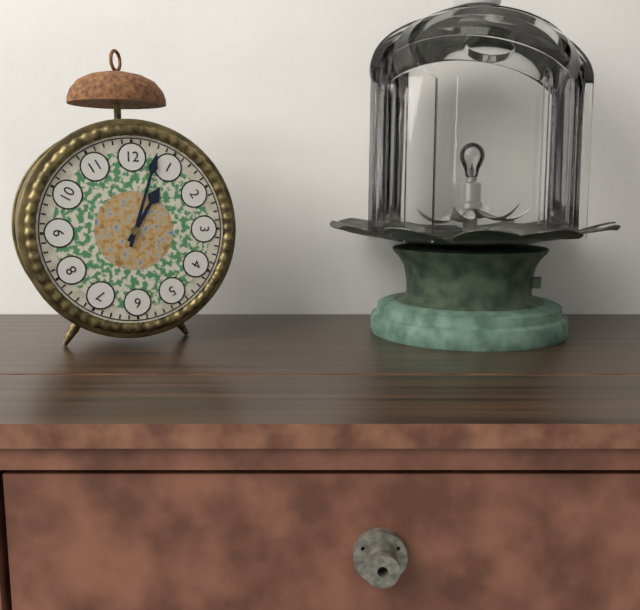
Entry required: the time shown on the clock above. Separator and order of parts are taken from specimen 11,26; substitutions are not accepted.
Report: 1,03
